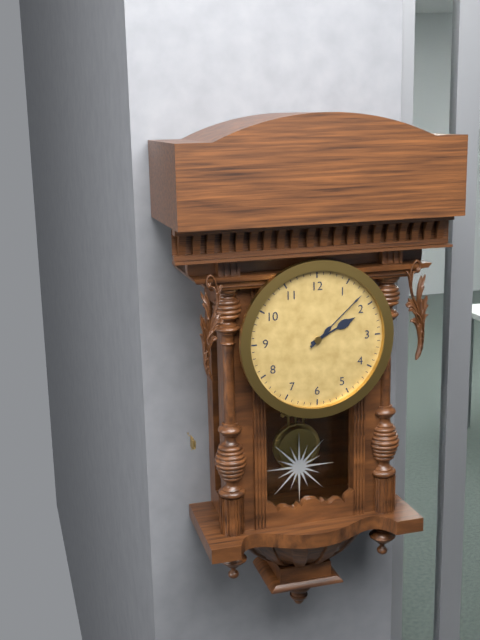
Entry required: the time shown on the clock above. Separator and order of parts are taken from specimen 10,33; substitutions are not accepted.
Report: 2,08
